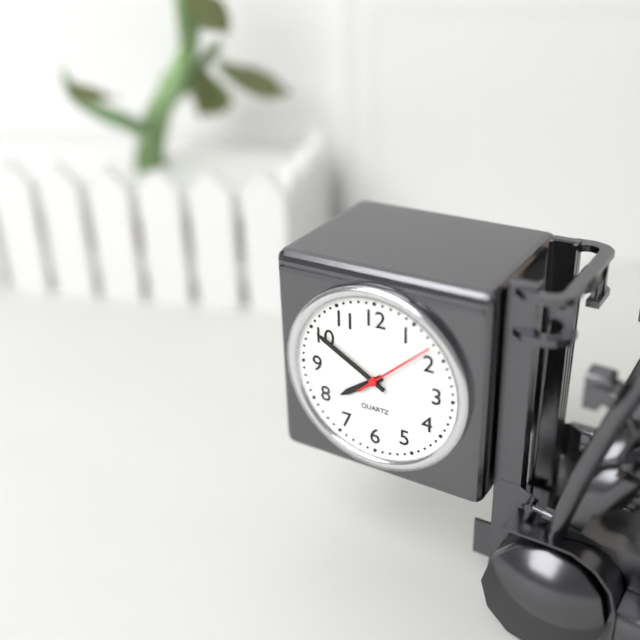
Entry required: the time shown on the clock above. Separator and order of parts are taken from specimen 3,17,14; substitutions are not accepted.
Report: 7,50,08
